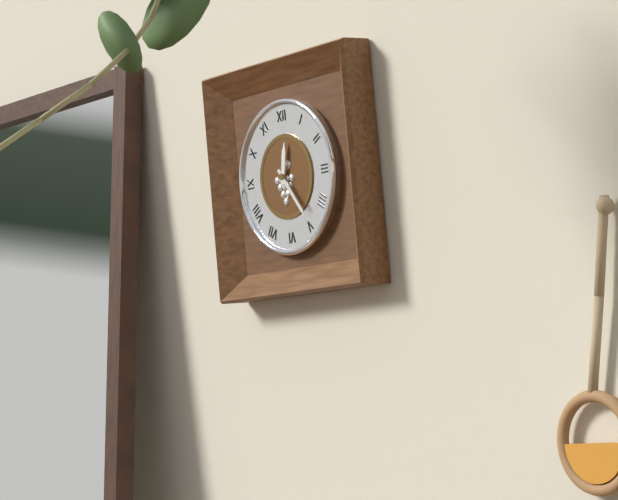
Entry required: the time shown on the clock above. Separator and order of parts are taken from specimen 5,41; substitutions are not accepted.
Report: 12,24
